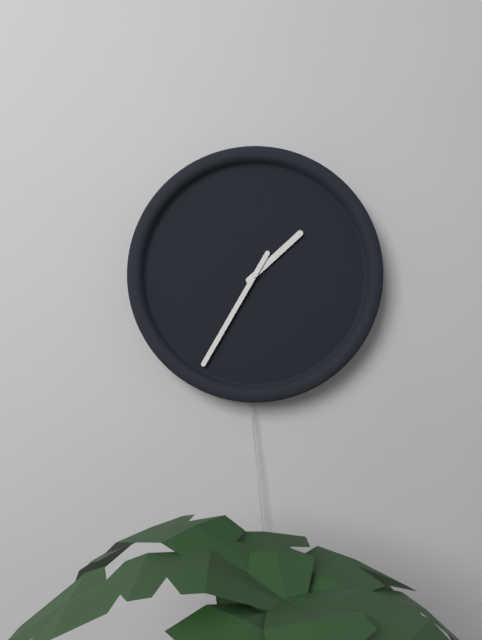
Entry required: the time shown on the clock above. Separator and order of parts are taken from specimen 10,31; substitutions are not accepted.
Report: 1,35
